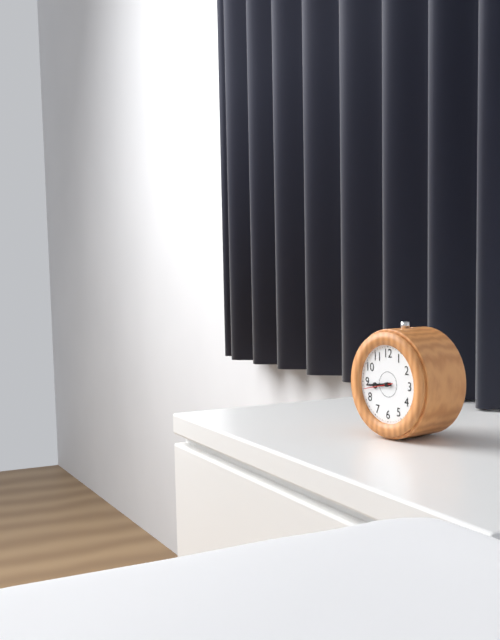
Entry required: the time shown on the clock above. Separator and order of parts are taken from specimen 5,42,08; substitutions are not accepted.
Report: 8,44,43
